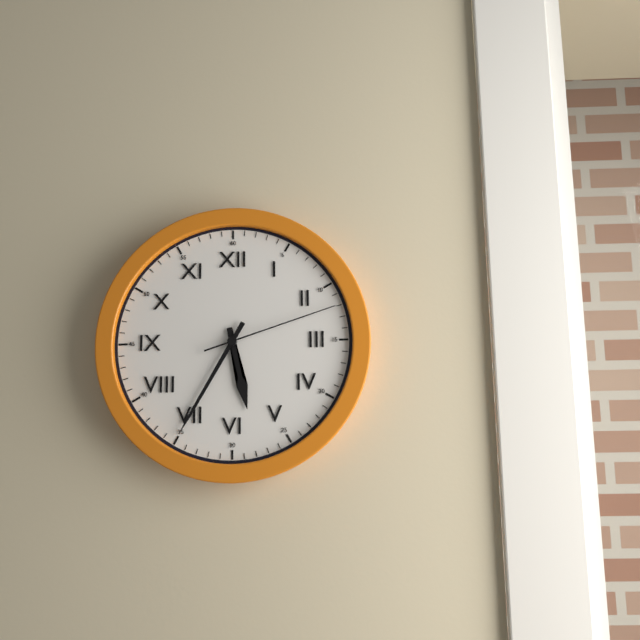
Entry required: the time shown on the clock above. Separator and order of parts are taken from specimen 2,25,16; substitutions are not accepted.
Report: 5,35,12
